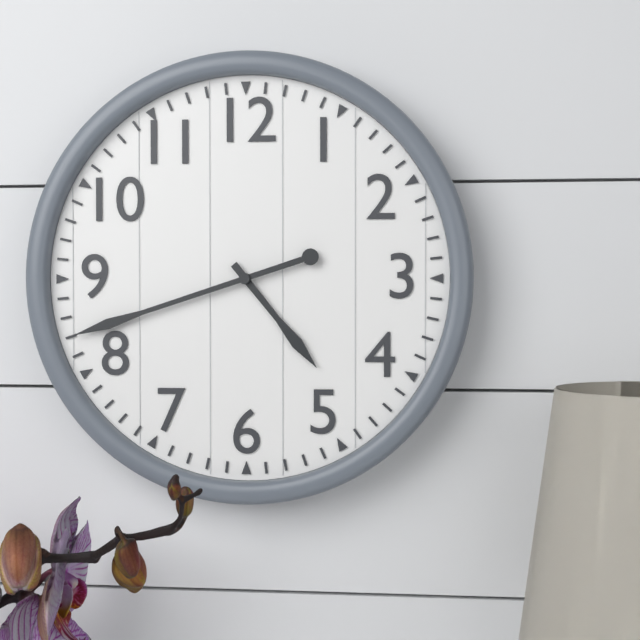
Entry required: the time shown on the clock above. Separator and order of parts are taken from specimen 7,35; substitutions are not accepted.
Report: 4,42
